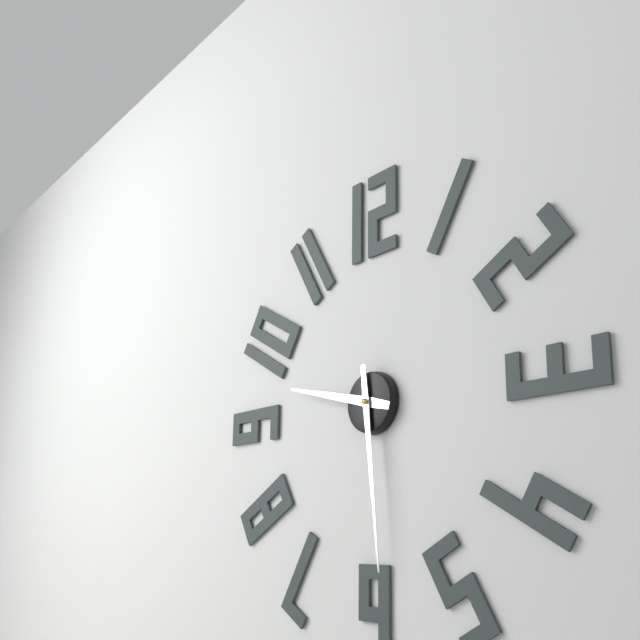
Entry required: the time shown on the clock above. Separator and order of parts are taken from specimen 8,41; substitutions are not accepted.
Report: 9,29
